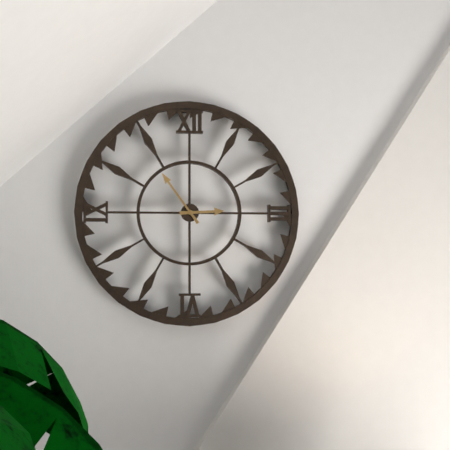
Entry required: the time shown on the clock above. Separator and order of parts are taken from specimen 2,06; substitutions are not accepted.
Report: 2,54
